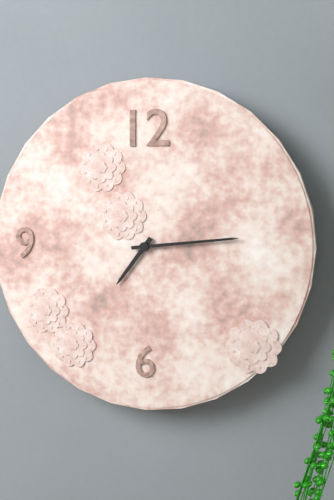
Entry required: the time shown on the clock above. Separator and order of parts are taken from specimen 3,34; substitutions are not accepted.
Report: 7,14
